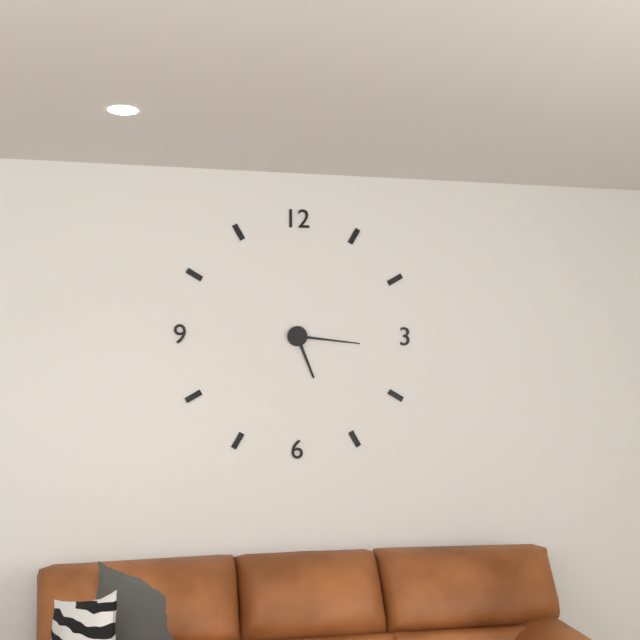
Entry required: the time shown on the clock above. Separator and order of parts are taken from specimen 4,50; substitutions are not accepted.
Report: 5,16
